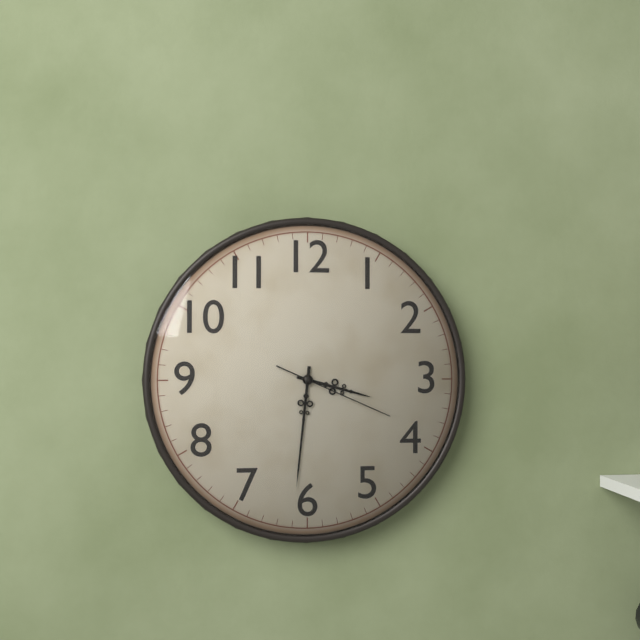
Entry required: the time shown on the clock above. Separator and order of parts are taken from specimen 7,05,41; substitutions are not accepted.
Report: 3,31,19
